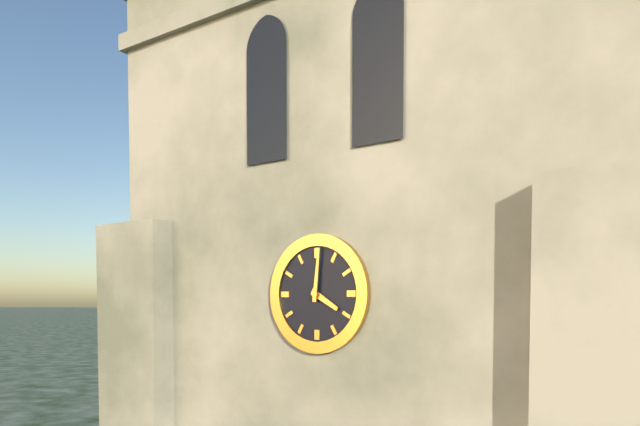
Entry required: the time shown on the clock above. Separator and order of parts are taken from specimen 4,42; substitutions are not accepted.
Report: 4,01
